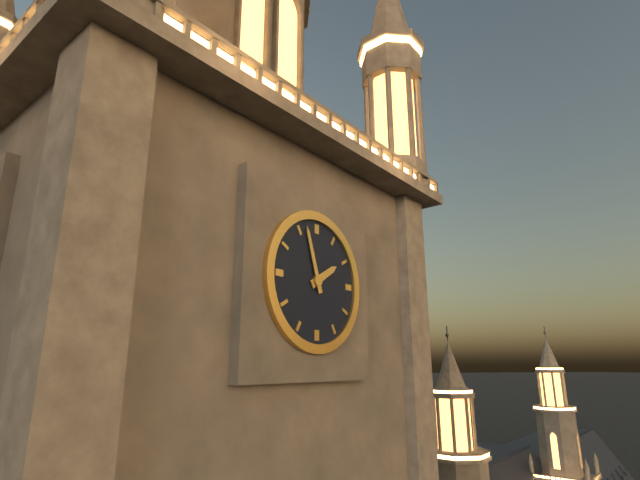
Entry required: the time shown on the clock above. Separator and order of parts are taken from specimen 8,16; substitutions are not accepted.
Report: 1,57
